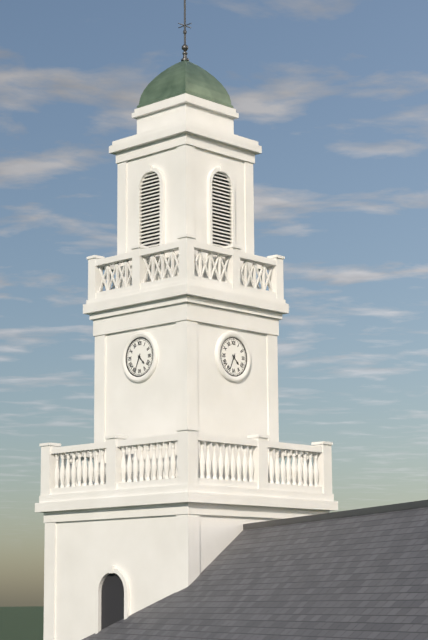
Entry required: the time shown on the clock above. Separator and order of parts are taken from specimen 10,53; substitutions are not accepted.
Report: 4,34
